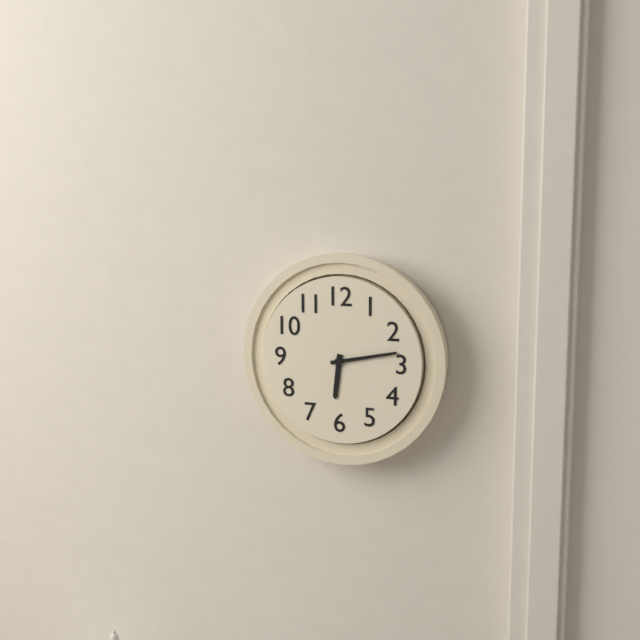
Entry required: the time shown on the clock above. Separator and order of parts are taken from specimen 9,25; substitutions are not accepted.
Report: 6,13
